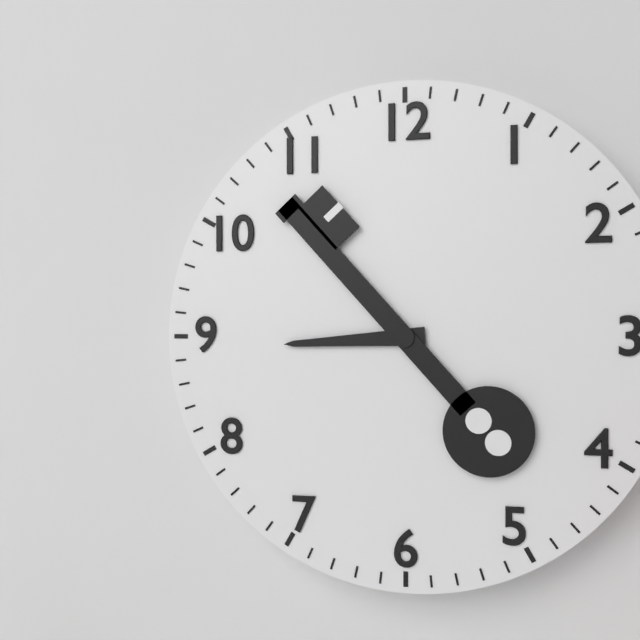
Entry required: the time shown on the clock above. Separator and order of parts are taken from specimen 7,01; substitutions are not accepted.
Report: 8,53
